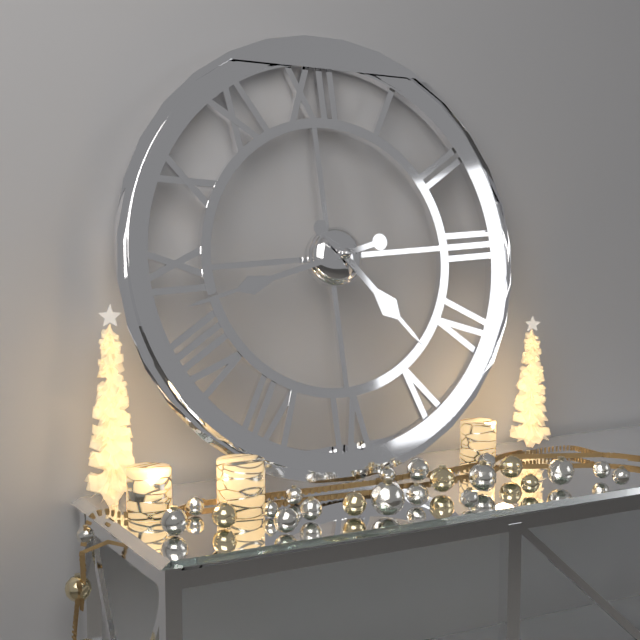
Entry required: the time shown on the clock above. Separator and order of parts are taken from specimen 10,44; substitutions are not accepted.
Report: 4,43
